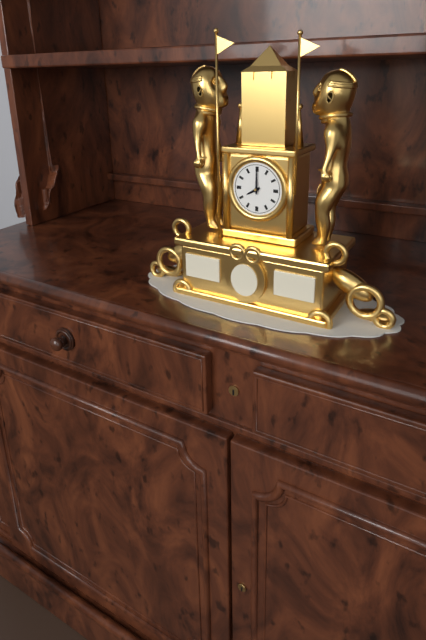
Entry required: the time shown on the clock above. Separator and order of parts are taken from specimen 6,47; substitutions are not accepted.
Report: 8,00
